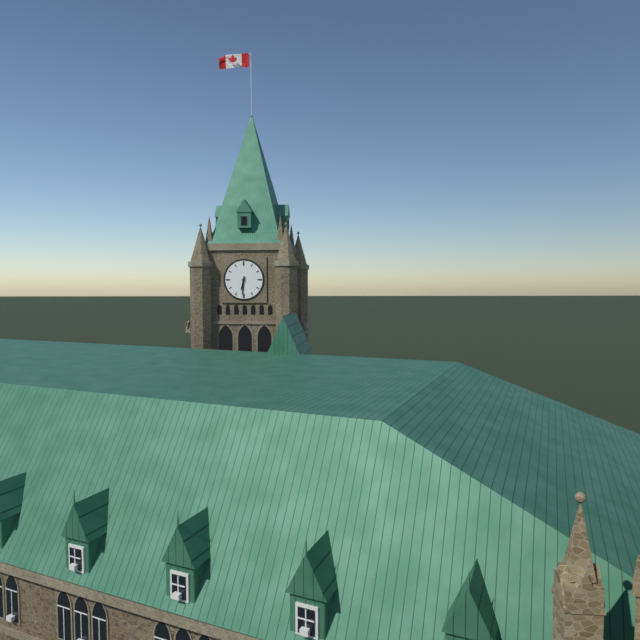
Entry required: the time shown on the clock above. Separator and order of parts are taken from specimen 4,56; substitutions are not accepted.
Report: 6,31
